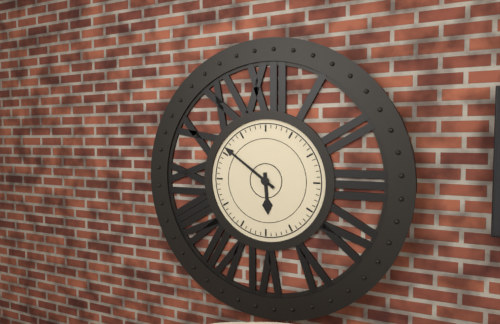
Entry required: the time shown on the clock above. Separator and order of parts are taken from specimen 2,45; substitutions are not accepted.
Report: 5,51
